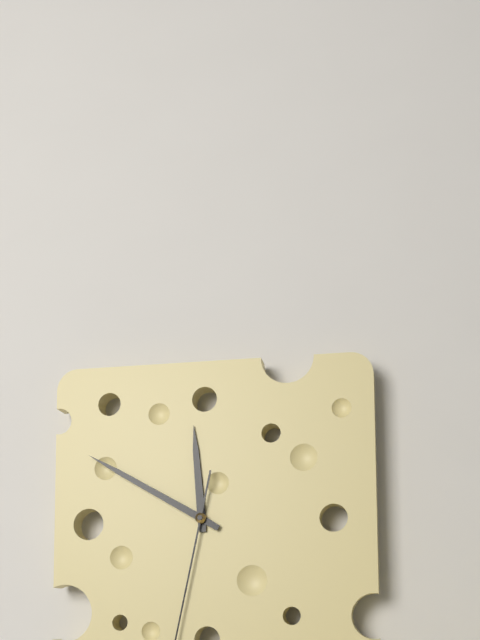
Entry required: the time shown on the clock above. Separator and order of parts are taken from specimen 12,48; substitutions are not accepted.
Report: 11,50
